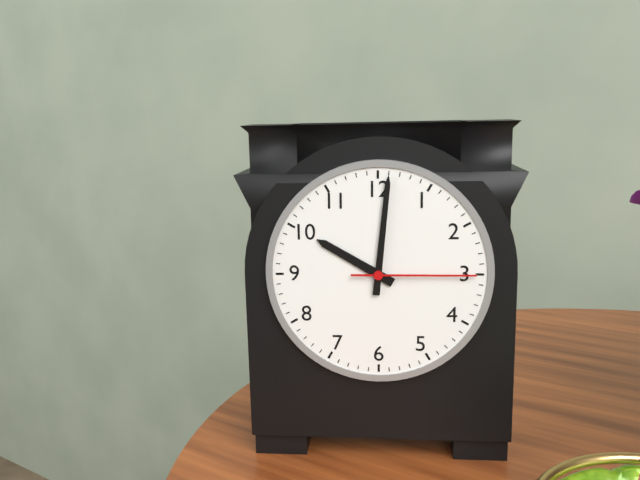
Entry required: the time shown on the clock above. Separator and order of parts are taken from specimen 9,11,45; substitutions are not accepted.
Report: 10,01,15
